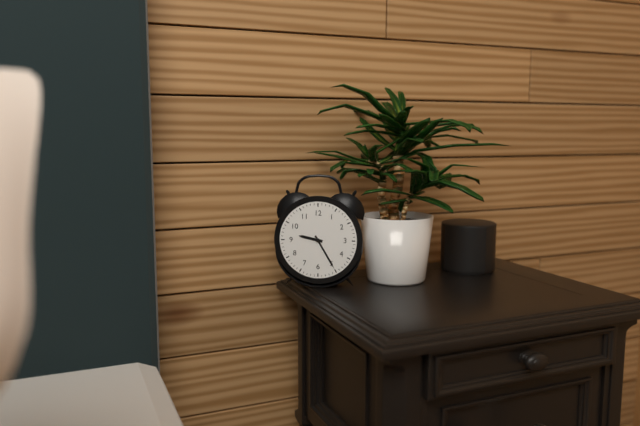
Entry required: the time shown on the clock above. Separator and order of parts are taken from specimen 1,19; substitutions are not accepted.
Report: 9,25
